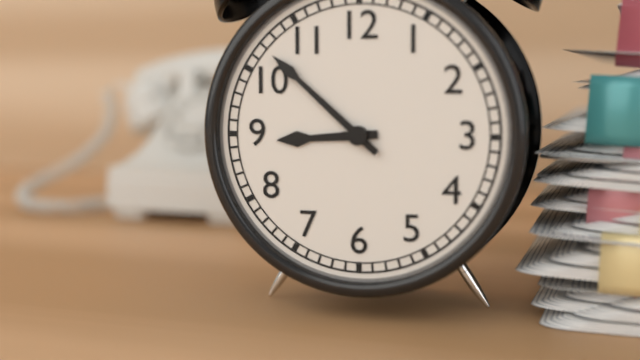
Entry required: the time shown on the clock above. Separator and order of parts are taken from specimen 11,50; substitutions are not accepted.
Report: 8,52
